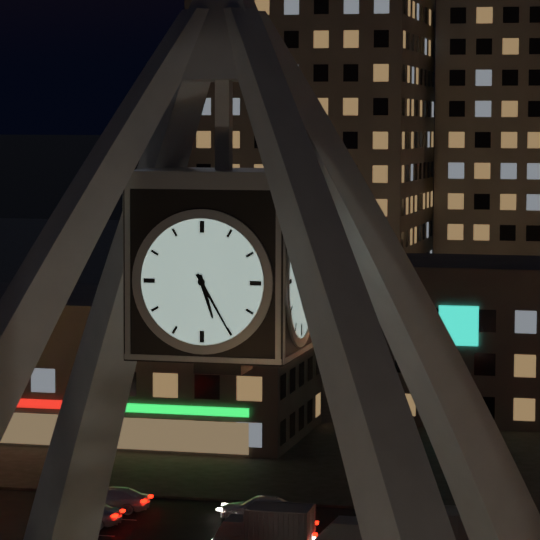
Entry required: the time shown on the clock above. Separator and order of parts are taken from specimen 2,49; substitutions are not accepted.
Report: 5,25
